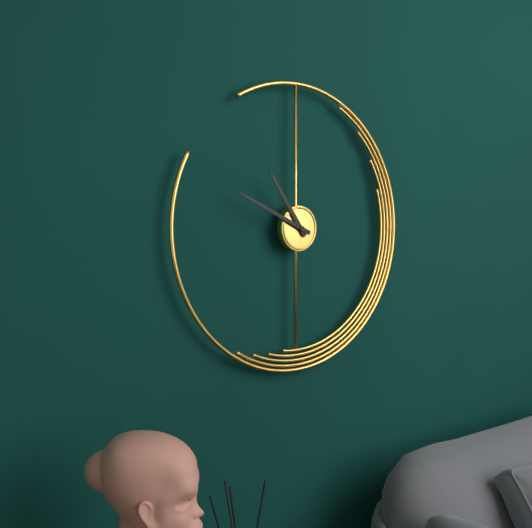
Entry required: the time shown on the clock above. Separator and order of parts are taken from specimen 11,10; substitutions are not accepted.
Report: 10,49
